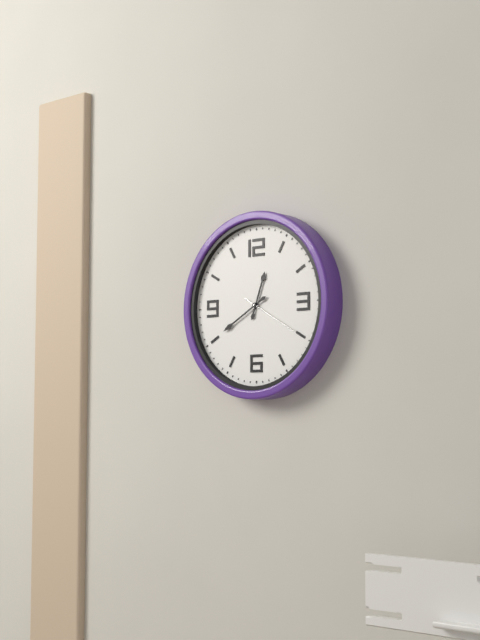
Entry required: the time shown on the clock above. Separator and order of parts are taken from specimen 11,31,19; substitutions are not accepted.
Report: 12,40,20
